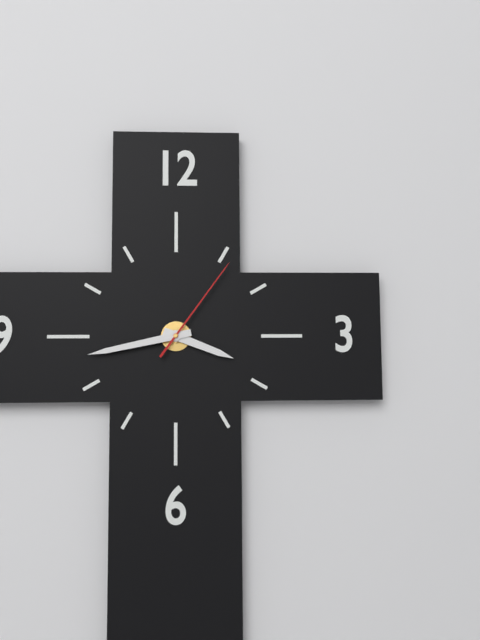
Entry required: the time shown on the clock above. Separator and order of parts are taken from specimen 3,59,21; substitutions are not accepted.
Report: 3,43,06
